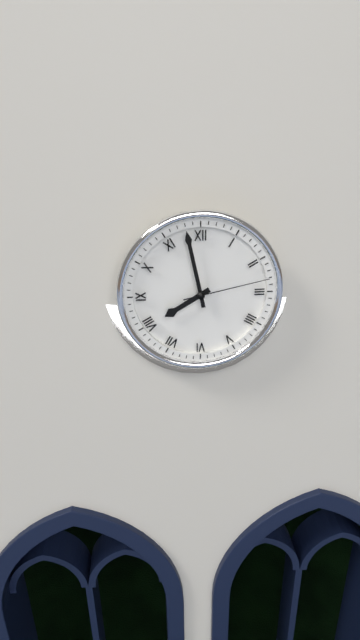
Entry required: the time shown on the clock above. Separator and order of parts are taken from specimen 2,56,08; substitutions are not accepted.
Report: 7,58,13
